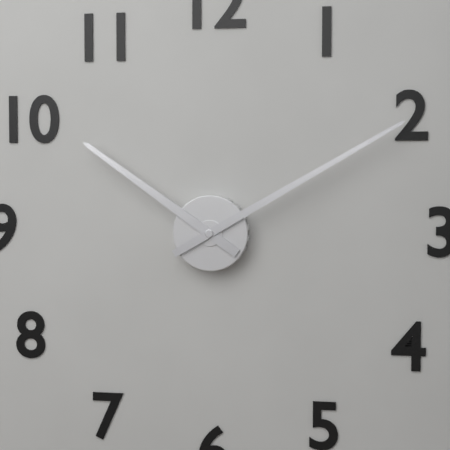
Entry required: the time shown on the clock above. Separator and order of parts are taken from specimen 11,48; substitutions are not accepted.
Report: 10,10
